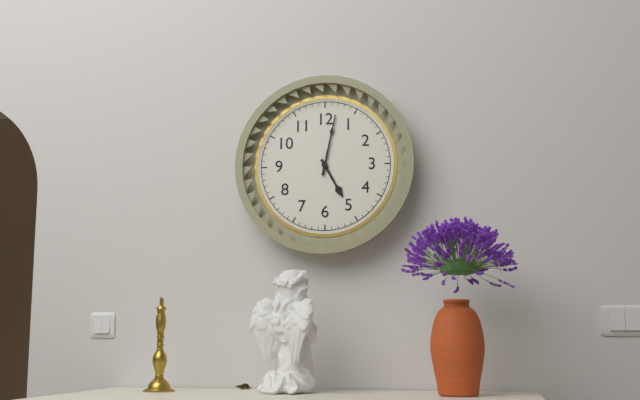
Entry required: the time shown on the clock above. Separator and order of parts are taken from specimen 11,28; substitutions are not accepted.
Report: 5,02
